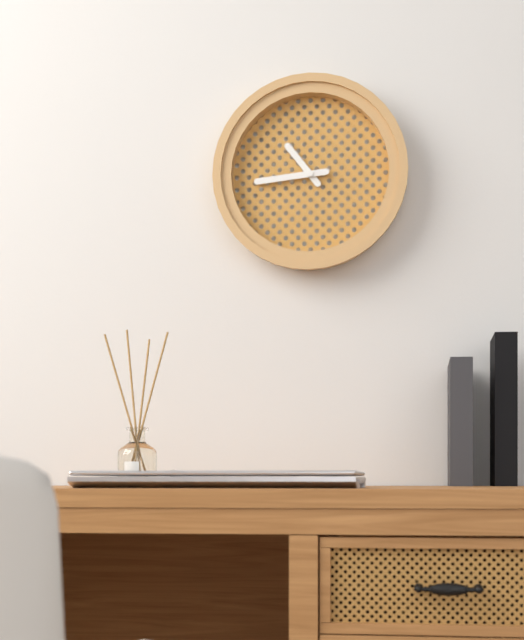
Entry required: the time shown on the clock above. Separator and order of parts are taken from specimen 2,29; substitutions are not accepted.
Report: 10,44
